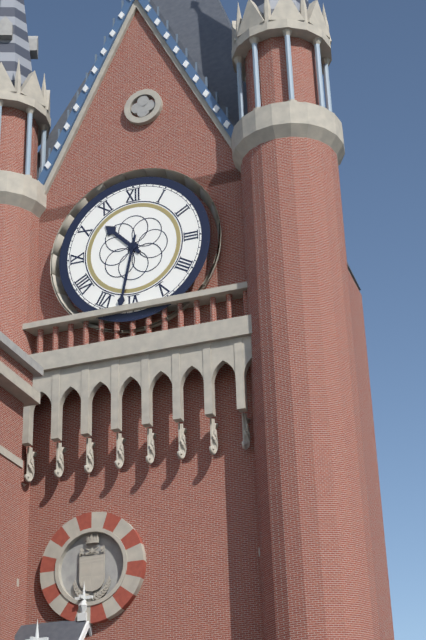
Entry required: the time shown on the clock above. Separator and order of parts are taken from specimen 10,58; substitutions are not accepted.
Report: 10,32
